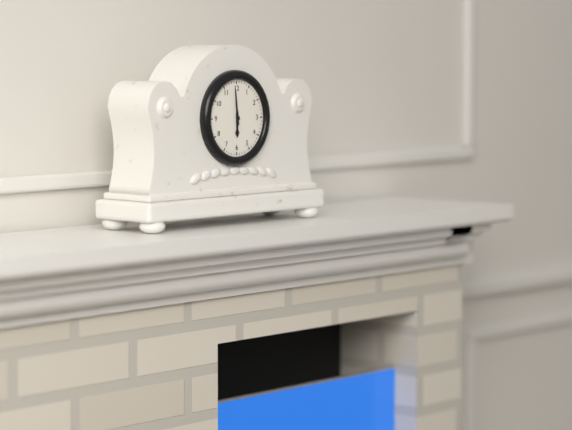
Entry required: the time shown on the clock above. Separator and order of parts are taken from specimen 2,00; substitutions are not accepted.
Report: 5,59
